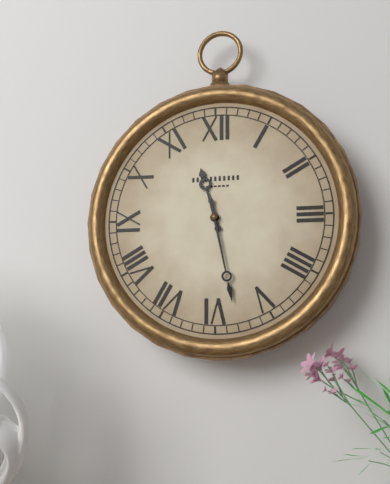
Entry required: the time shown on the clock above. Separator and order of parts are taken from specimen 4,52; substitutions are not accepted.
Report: 11,28
